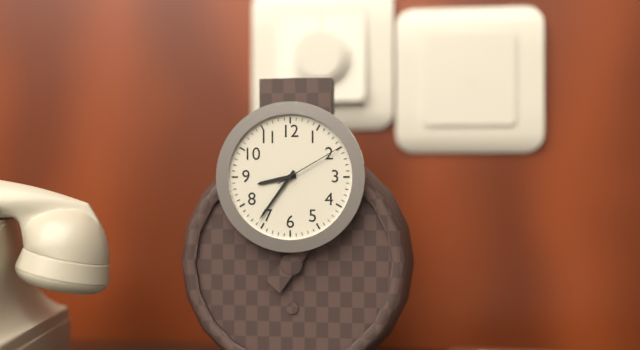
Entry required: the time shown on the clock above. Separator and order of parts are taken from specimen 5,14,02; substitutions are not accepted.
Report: 8,36,10
